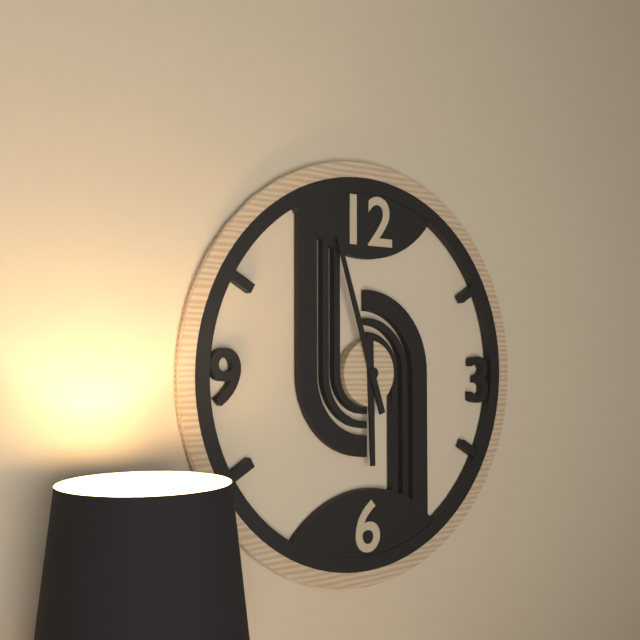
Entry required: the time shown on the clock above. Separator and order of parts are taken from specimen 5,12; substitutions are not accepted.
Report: 5,57
